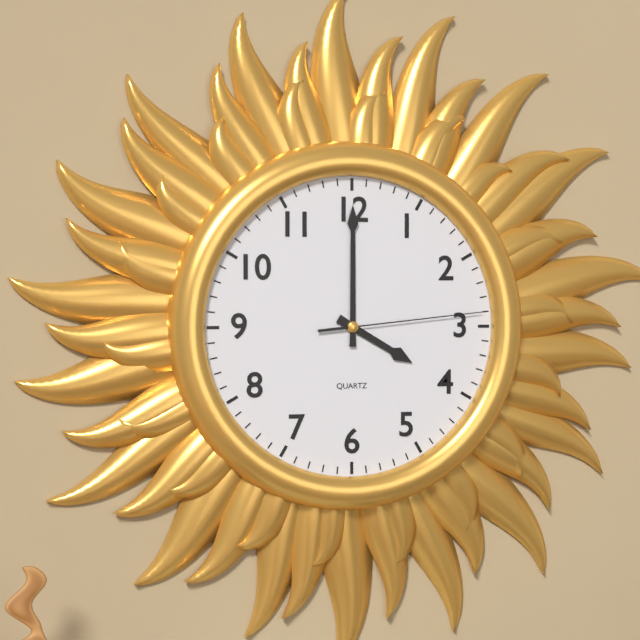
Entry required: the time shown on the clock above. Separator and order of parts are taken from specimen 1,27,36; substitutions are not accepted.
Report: 4,00,14
